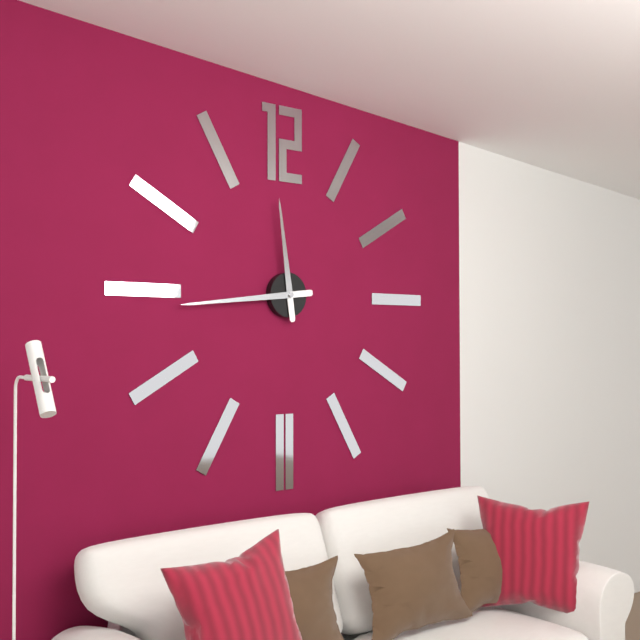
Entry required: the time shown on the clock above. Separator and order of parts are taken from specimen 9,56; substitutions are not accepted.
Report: 11,44
